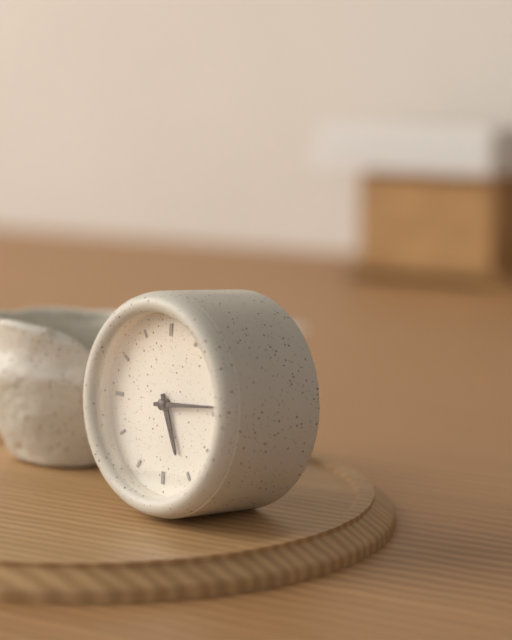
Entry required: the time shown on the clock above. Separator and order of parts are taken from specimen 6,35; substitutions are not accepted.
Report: 5,14
